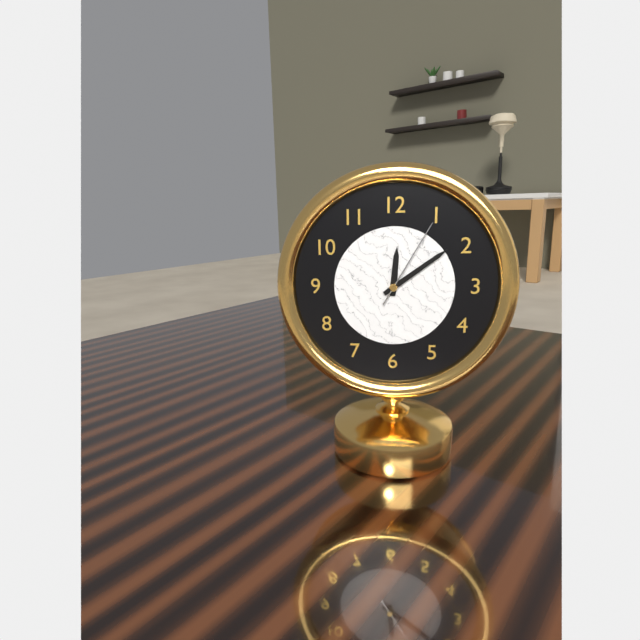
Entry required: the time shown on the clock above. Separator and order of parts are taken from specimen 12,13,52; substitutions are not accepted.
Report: 12,09,05
